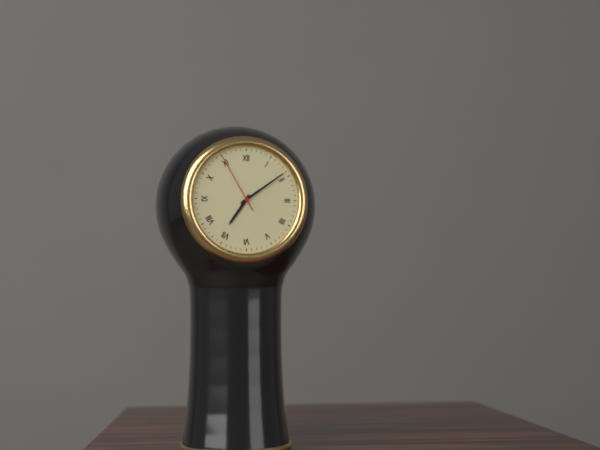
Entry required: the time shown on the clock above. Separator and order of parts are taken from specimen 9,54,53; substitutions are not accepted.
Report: 7,09,55
